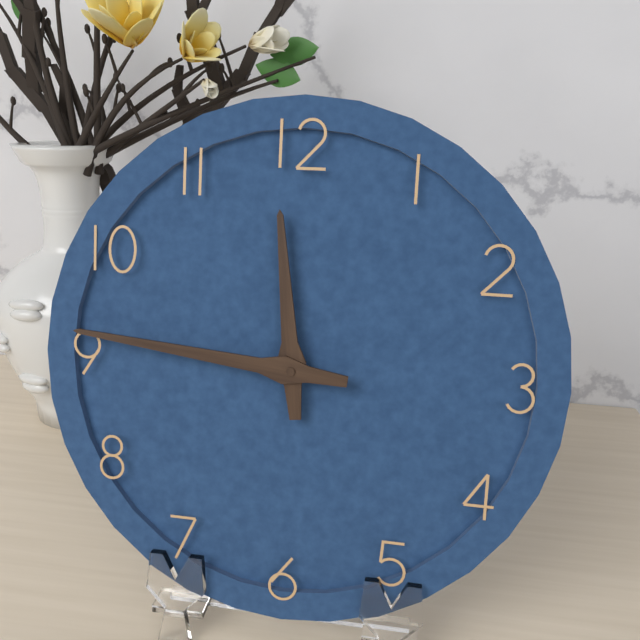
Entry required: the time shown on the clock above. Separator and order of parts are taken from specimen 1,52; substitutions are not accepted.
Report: 11,46
